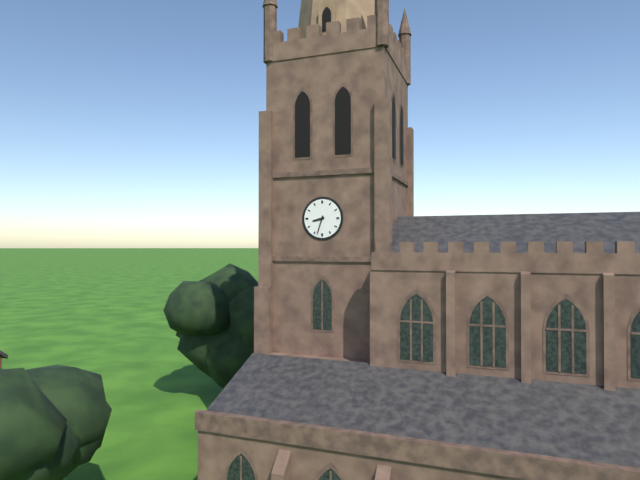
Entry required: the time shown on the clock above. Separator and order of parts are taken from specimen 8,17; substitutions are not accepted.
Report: 8,33
